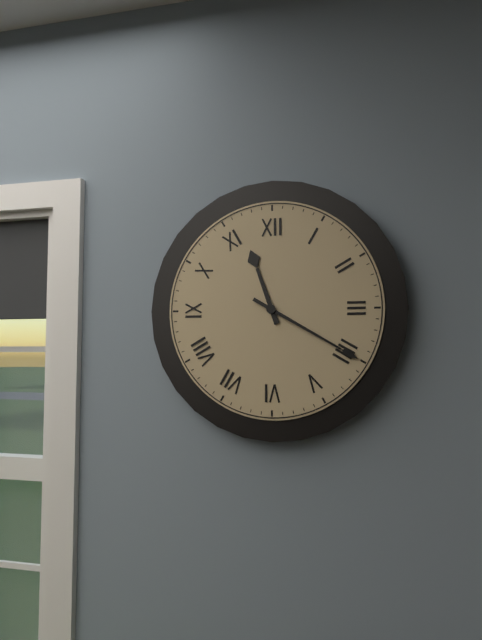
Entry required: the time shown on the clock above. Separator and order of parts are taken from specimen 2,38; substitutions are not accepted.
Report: 11,20
